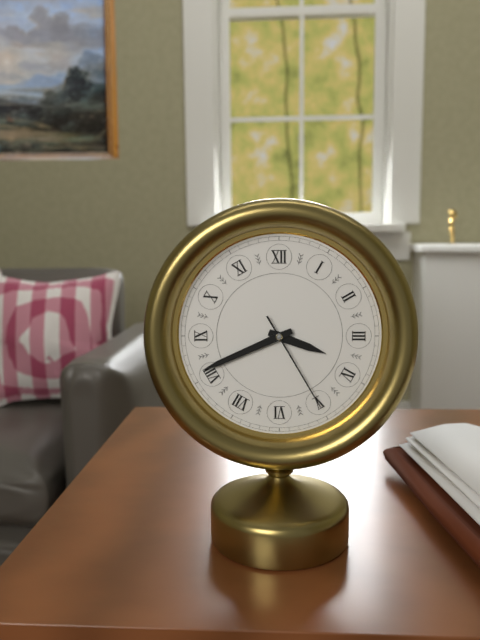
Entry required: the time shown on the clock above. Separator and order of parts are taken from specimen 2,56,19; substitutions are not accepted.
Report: 3,41,25
